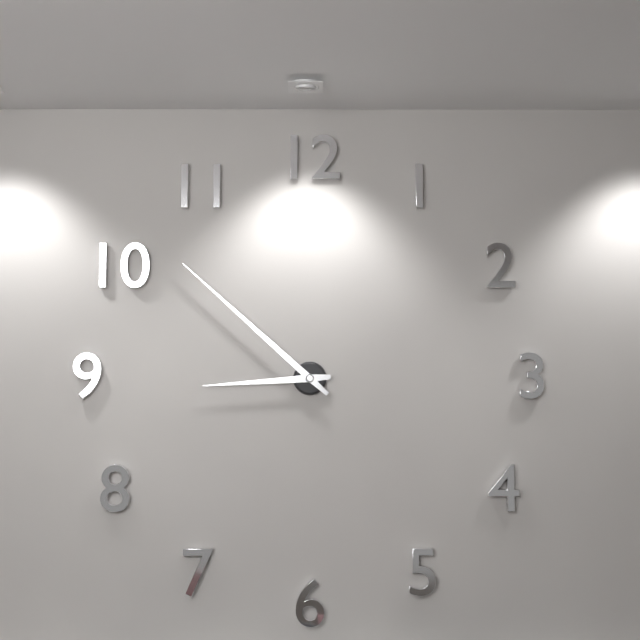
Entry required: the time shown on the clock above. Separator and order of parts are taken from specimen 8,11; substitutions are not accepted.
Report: 8,52
